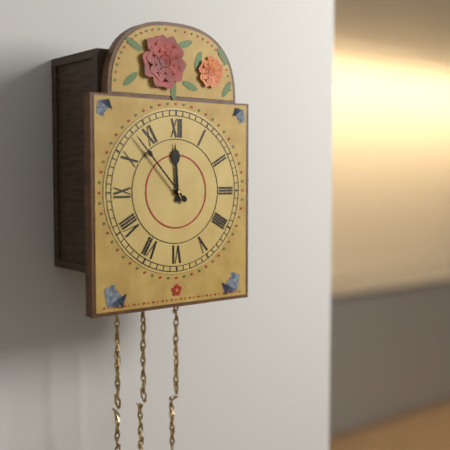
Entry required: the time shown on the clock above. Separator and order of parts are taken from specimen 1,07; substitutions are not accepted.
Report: 11,53
